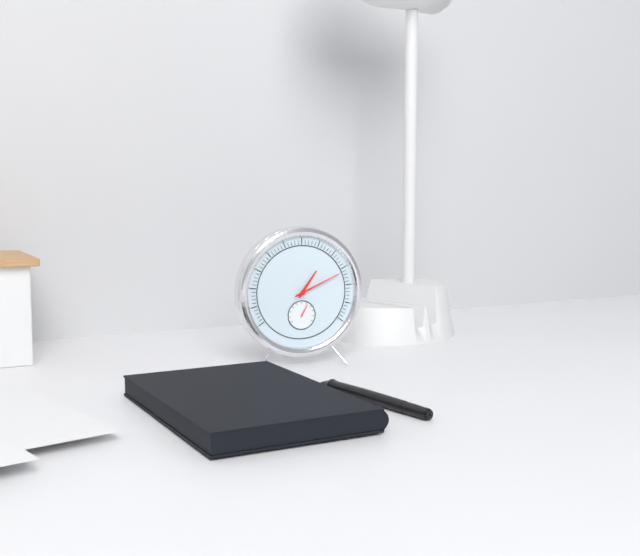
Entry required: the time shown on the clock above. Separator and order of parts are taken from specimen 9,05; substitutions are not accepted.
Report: 1,11
